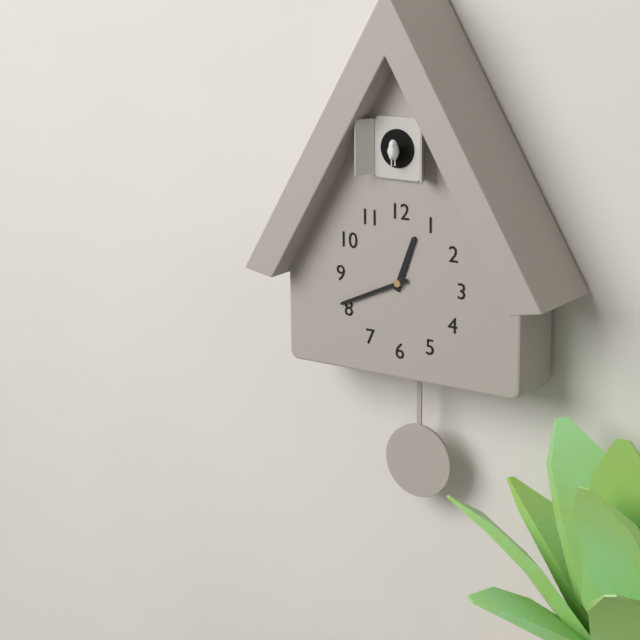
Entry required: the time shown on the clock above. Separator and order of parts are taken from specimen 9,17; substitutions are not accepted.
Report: 12,41
